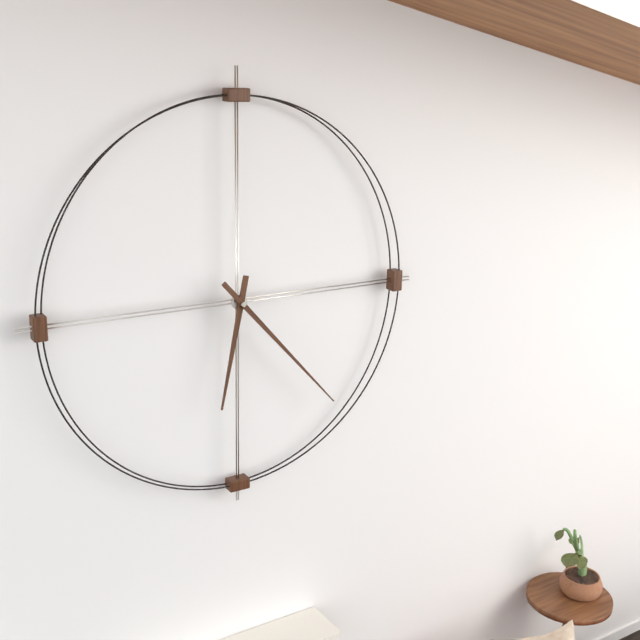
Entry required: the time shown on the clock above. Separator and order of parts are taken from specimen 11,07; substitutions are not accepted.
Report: 6,23
